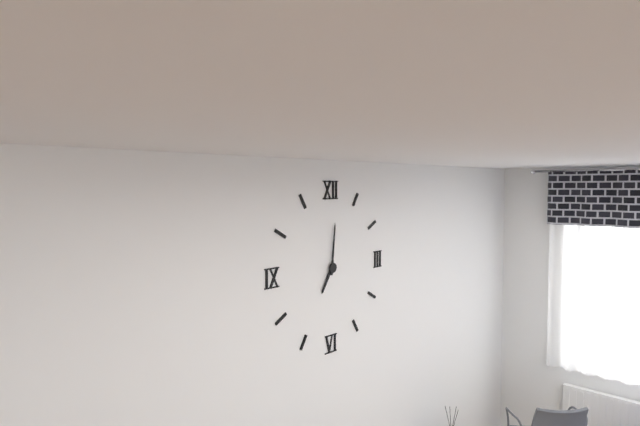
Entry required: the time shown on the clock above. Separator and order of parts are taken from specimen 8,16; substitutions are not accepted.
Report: 7,01
